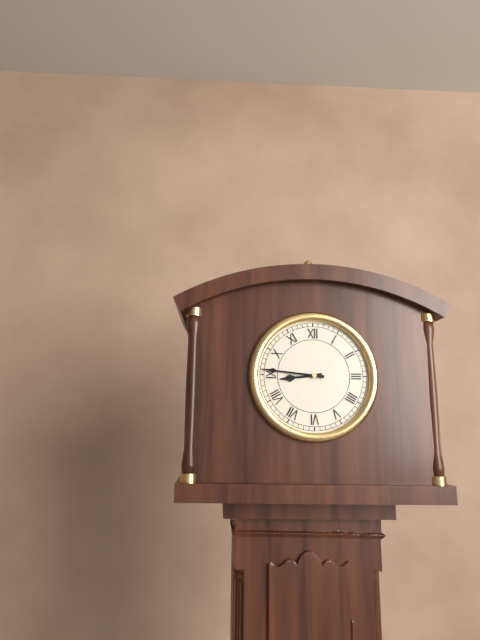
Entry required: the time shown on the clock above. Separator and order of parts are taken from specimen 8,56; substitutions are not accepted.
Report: 8,46
